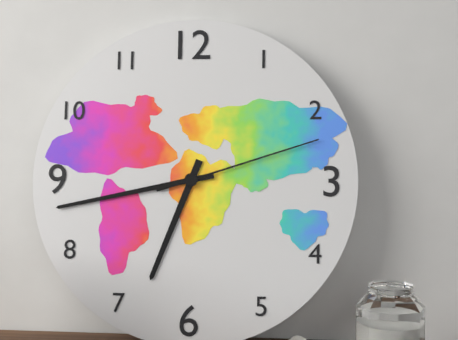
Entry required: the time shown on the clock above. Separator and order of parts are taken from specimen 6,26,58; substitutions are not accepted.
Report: 6,43,12
